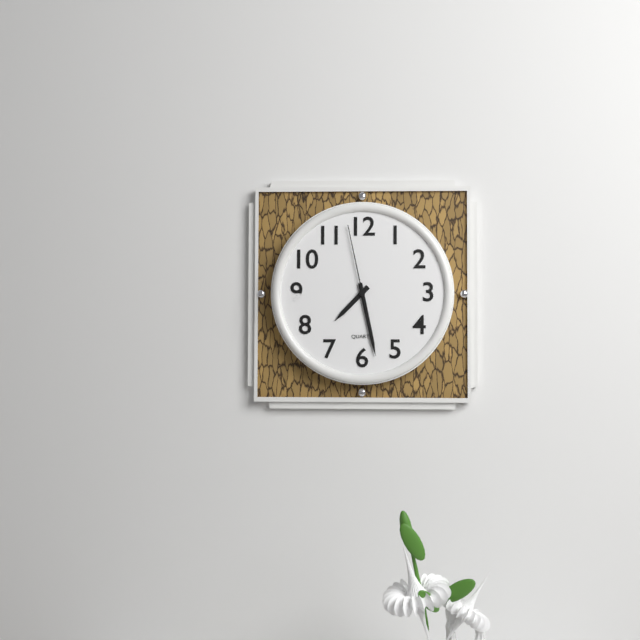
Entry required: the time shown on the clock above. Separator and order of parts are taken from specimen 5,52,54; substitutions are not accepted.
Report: 7,28,58
